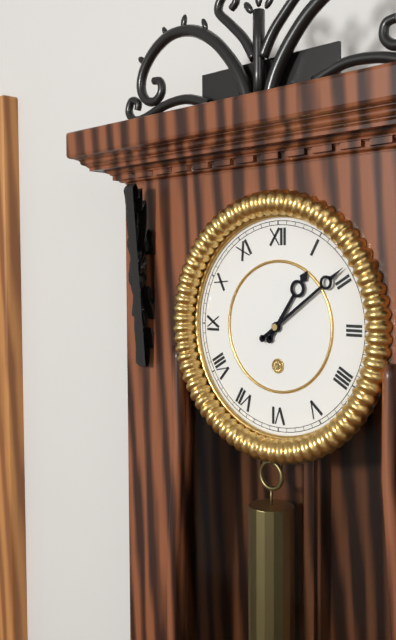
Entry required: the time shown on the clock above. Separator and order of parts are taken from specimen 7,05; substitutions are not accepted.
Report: 1,09
